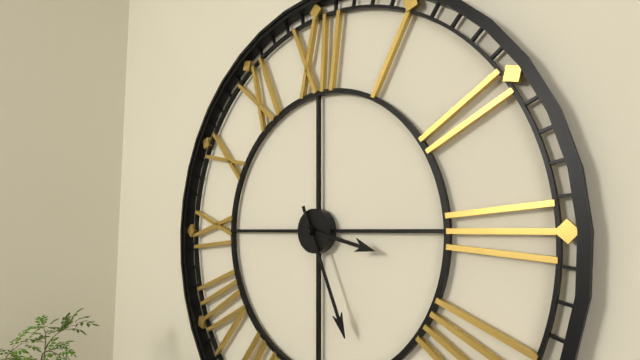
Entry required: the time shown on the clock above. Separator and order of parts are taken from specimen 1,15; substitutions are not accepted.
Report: 3,26
